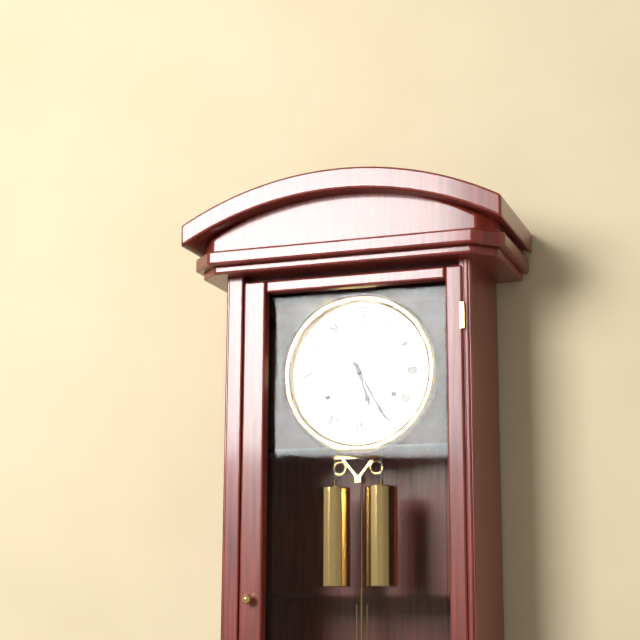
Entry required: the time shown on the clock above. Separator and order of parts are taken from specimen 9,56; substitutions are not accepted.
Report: 5,25
